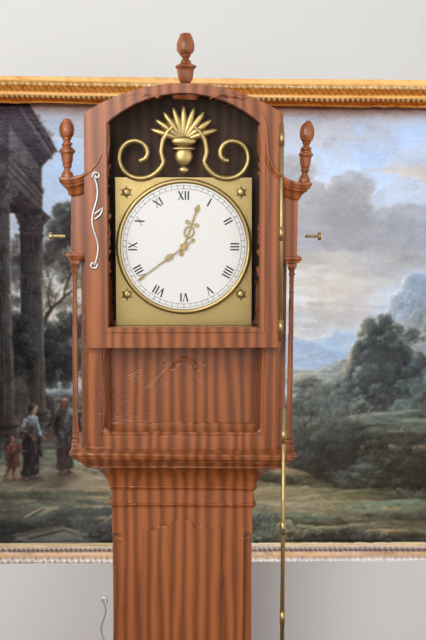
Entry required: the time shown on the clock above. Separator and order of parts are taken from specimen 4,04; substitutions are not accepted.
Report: 12,39
